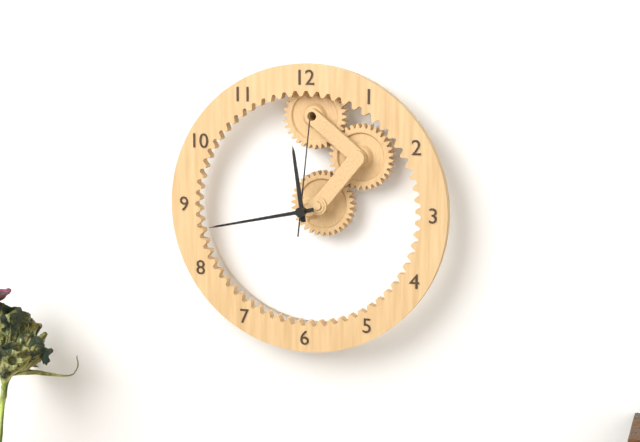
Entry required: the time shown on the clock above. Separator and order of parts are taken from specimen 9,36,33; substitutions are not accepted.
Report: 11,43,01
